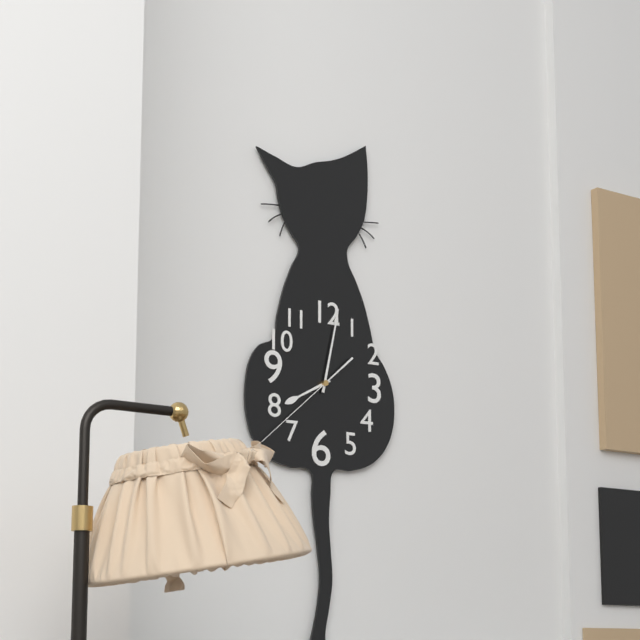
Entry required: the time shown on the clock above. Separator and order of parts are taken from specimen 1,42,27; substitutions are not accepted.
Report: 8,02,38
